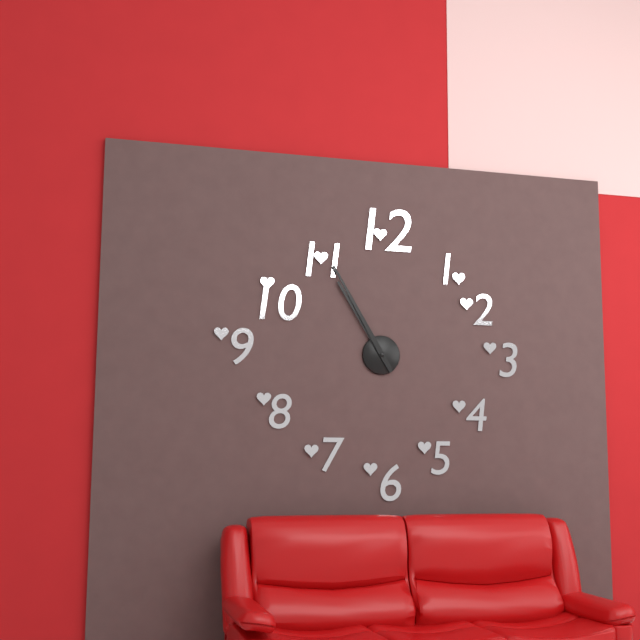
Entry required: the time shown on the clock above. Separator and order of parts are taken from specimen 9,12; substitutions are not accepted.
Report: 10,55
